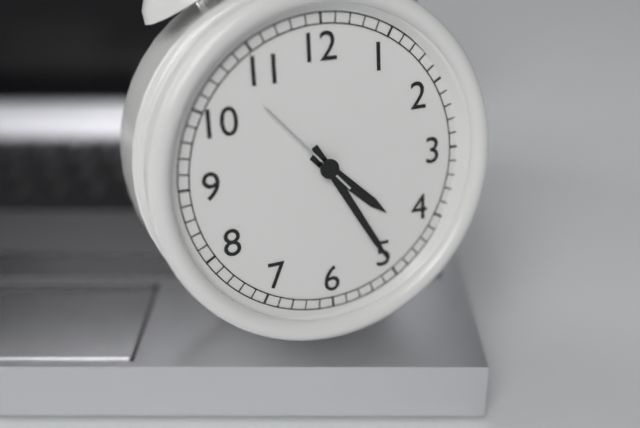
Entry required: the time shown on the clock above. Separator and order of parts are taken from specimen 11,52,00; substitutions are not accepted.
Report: 4,25,53
